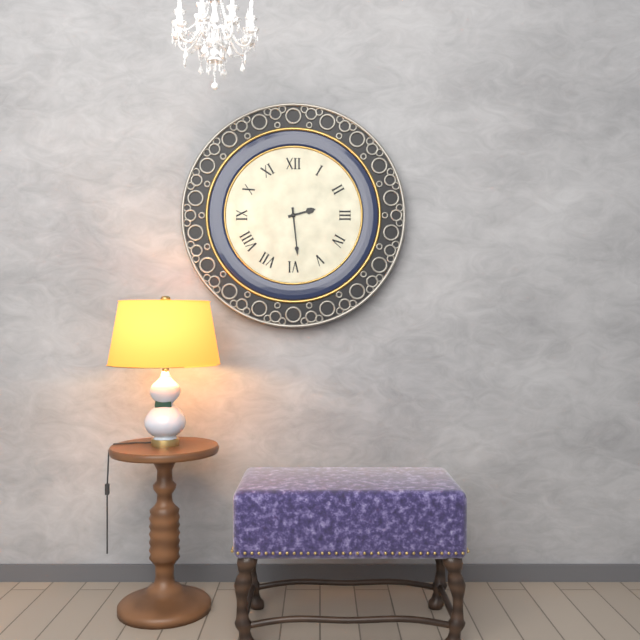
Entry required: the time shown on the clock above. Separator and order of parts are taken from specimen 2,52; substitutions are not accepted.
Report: 2,29
